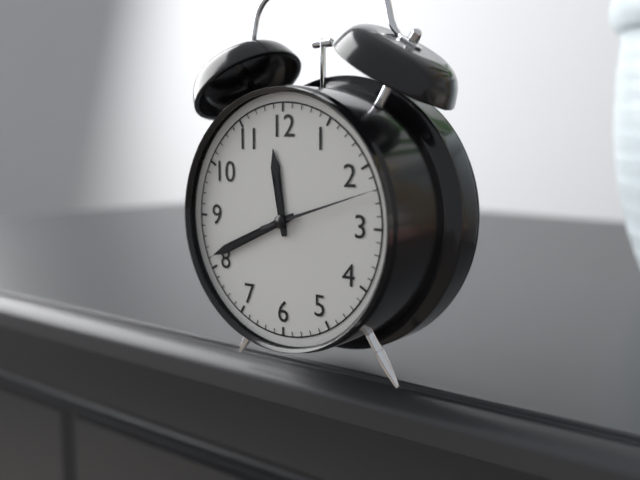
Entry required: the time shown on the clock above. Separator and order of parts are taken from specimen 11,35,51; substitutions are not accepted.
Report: 11,41,12
